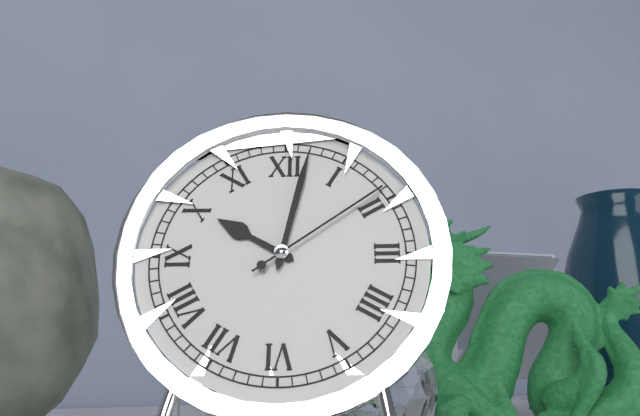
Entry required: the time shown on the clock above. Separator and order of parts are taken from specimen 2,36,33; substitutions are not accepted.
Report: 10,02,09
